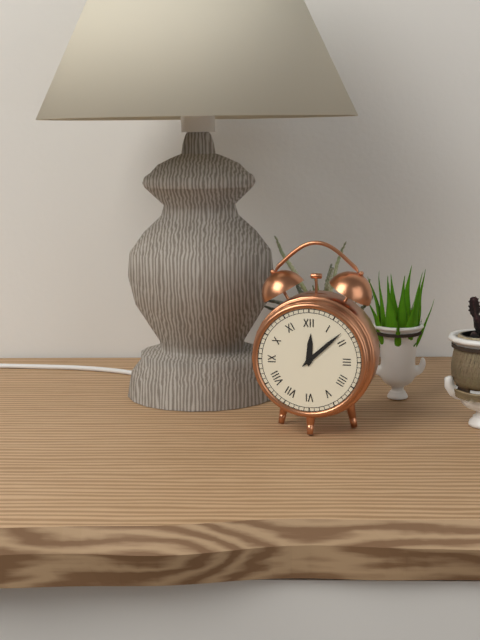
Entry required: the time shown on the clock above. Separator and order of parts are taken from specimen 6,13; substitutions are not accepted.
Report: 12,08
